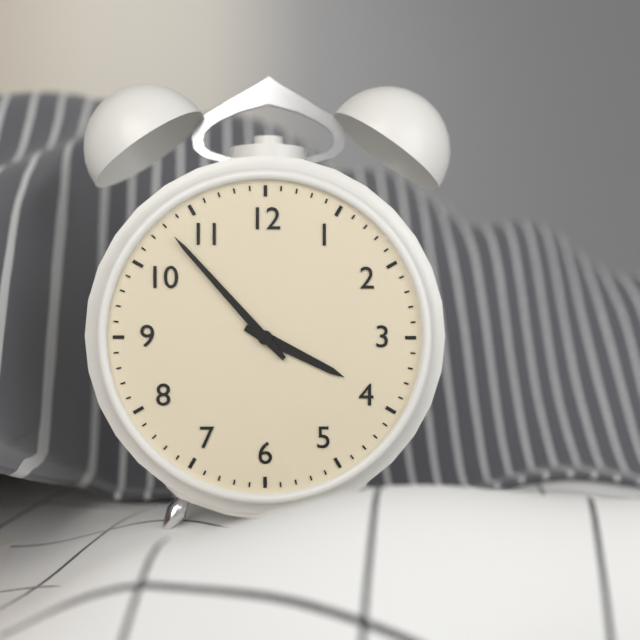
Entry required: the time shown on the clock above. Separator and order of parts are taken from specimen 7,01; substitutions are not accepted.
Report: 3,53
